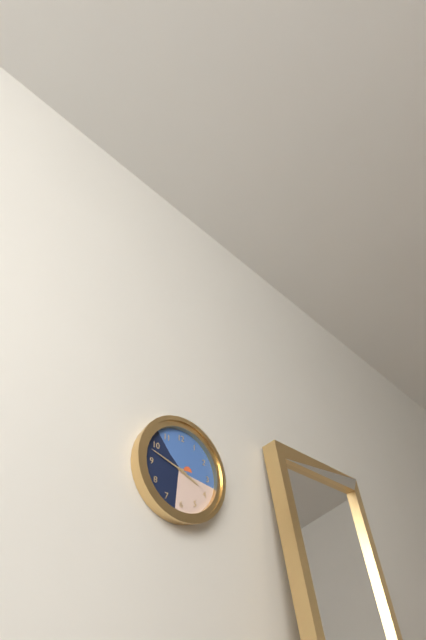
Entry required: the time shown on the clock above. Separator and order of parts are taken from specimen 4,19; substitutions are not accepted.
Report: 3,48
